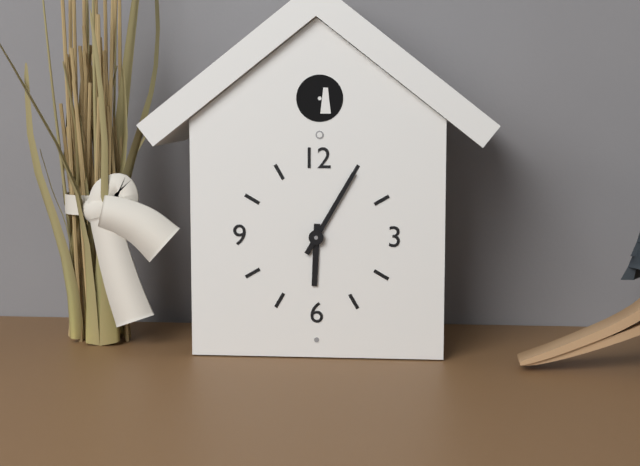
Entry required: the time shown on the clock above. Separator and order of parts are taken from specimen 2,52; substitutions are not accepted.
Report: 6,05
